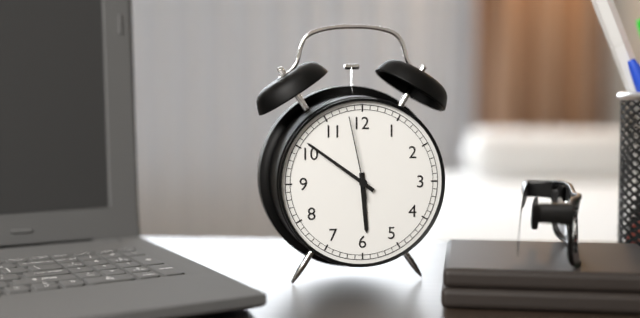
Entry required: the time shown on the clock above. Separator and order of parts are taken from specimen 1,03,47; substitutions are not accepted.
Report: 5,51,58
